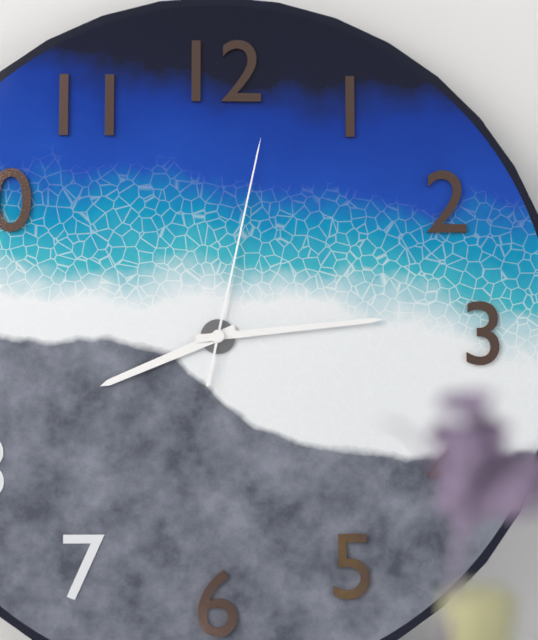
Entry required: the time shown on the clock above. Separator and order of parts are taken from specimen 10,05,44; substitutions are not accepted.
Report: 8,14,02
